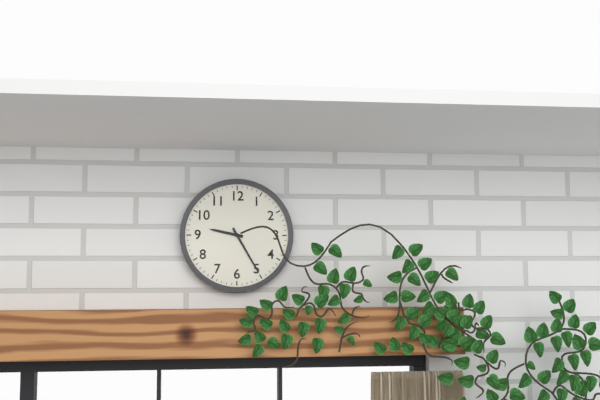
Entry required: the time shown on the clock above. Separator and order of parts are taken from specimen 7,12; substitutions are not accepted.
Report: 9,25
